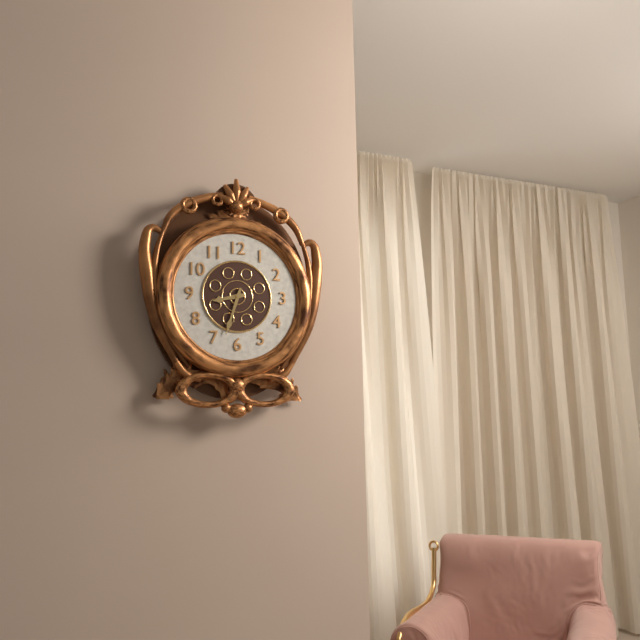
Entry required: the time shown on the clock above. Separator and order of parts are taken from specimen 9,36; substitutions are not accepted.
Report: 8,33
